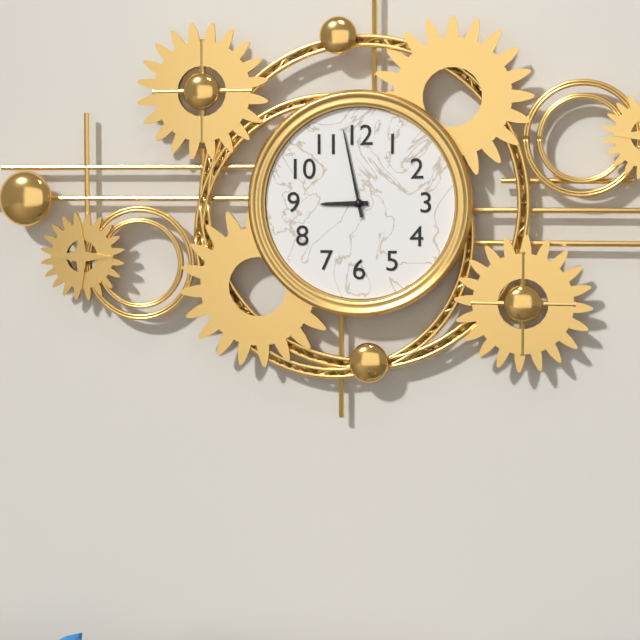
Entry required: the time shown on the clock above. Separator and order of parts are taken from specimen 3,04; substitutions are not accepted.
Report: 8,58
